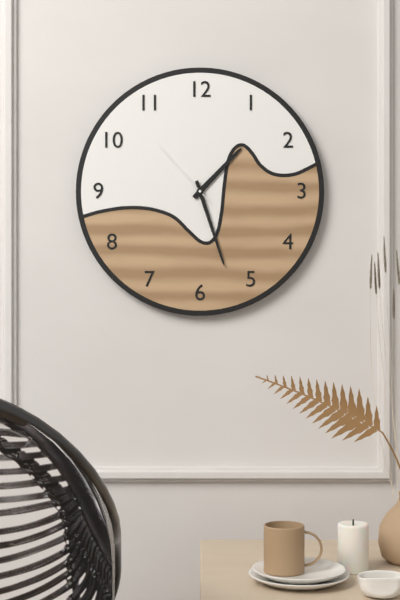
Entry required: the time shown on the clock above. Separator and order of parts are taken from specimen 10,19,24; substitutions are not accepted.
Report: 1,27,53
